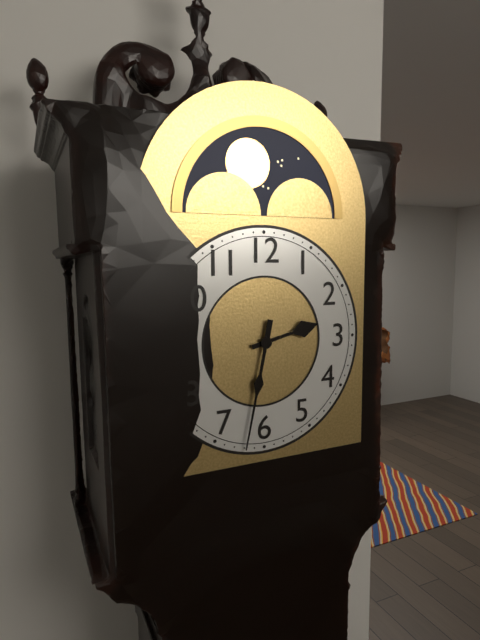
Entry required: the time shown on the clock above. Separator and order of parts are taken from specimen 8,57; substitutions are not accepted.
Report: 2,32
